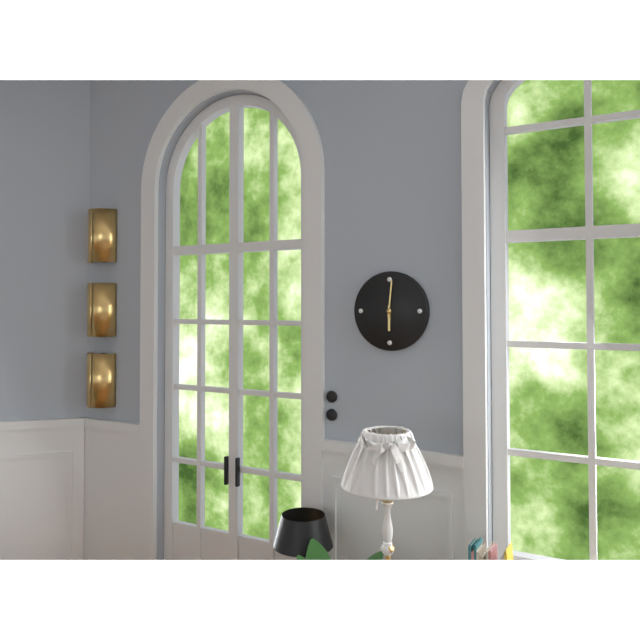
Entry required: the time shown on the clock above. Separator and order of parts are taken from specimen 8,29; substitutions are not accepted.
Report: 6,01
